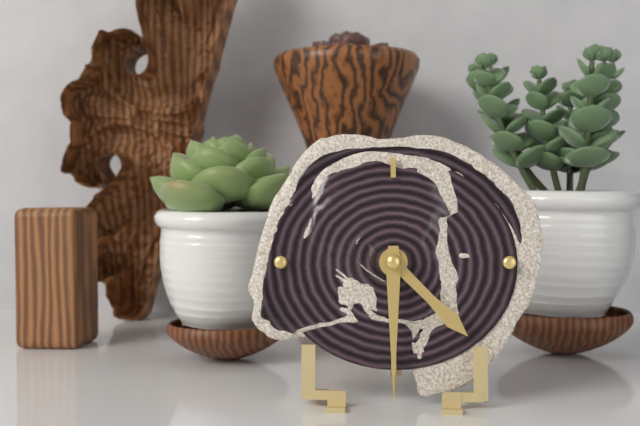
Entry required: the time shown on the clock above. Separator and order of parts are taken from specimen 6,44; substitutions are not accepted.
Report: 4,30
